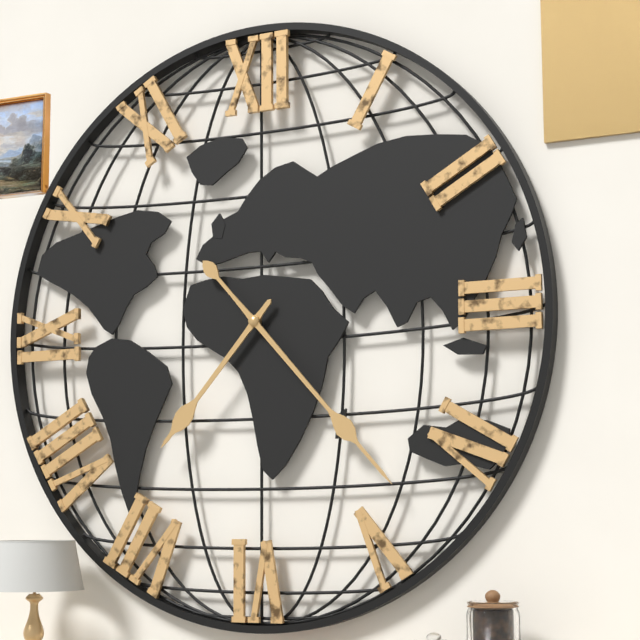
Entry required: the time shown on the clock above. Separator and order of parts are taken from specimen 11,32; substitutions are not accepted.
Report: 7,23
